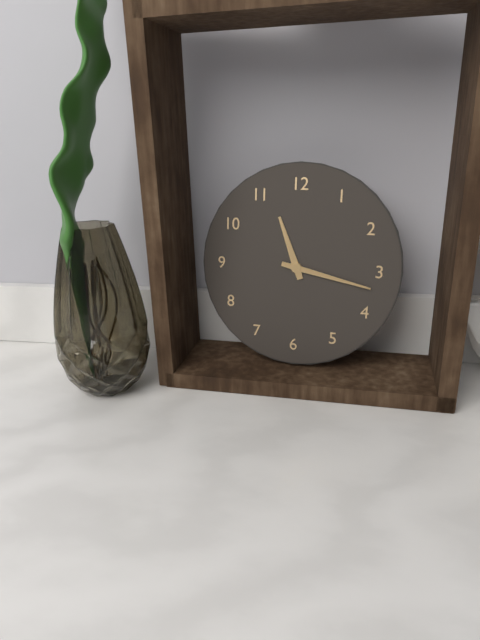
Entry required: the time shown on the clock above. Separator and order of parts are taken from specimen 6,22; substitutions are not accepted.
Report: 11,17
